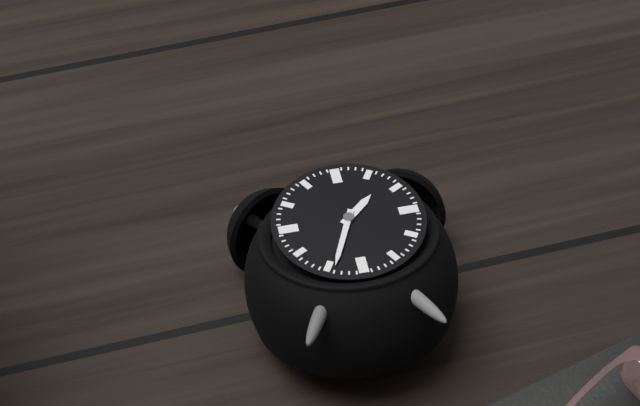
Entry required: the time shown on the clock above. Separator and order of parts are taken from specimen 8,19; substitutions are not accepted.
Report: 1,34
